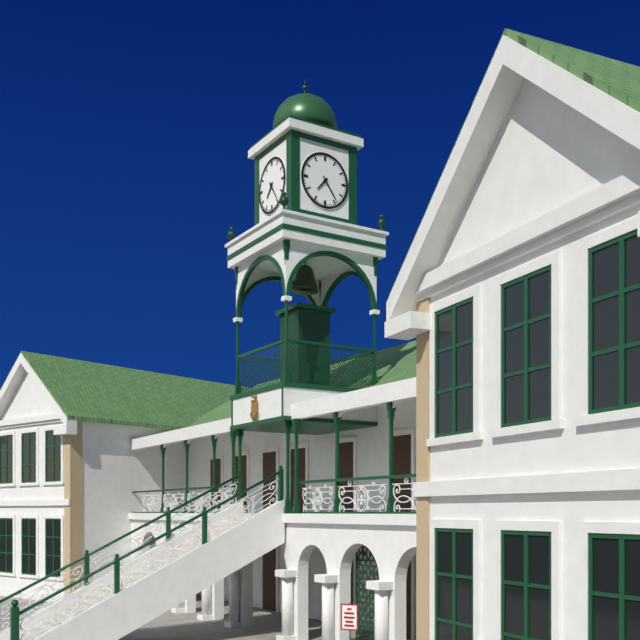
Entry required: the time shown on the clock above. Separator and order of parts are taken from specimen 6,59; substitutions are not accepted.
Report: 7,24
